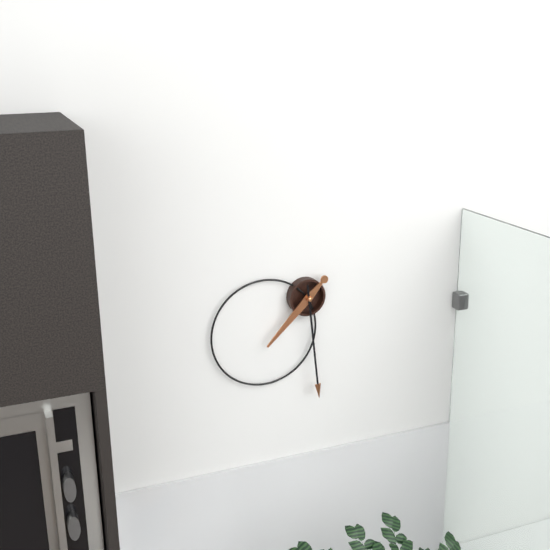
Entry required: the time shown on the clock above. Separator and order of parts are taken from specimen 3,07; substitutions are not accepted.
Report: 7,29
